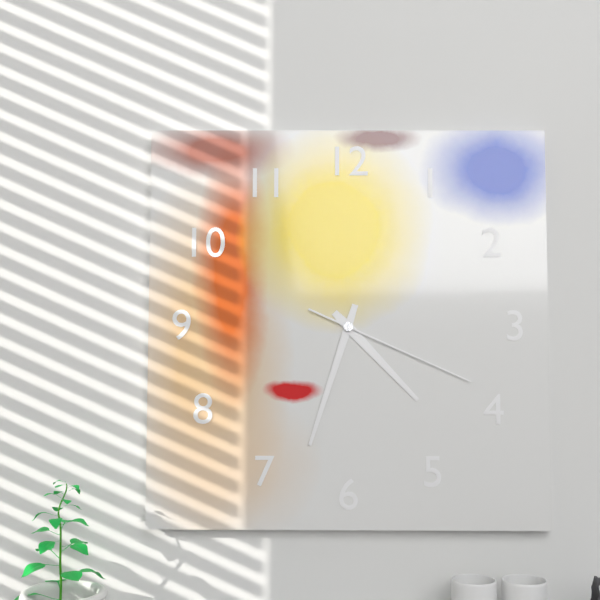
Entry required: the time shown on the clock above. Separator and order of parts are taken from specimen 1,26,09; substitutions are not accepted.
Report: 4,33,19
